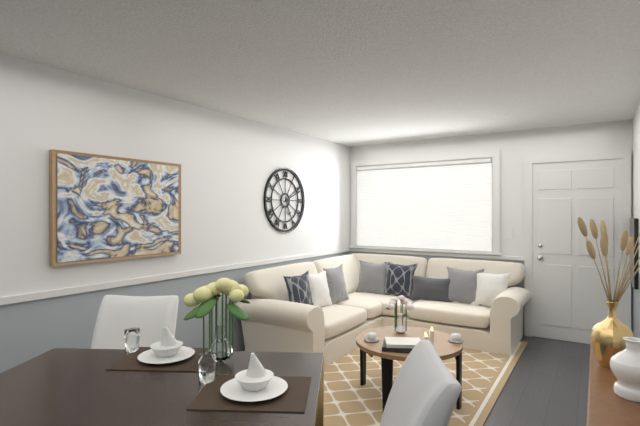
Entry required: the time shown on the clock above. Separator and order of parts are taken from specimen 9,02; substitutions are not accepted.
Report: 5,11
